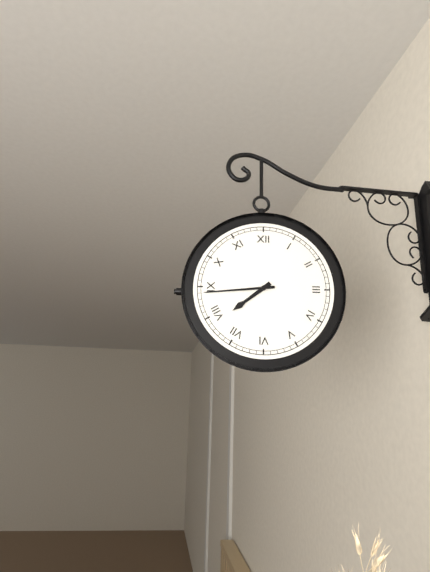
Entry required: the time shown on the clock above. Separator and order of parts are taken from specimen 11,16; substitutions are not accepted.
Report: 7,44
